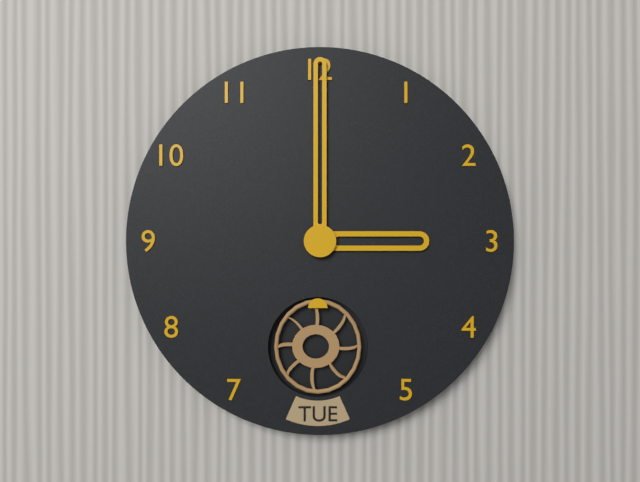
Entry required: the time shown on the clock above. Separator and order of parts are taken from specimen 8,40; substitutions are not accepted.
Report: 3,00
